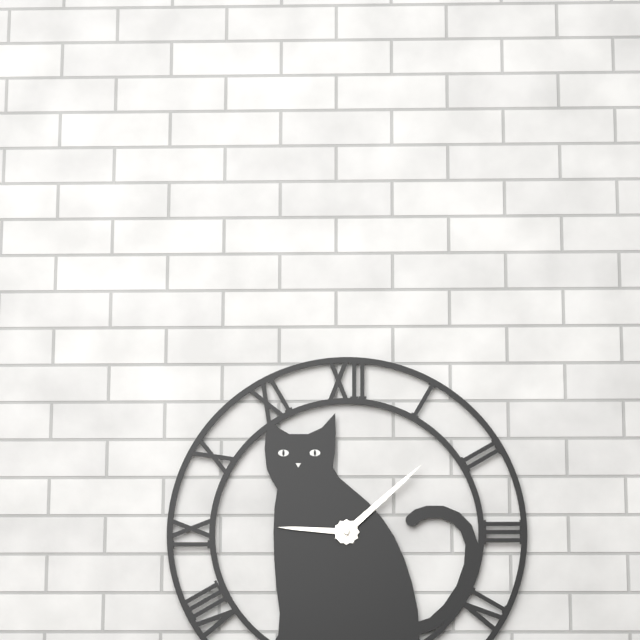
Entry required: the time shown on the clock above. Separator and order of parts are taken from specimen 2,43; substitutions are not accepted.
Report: 9,08
